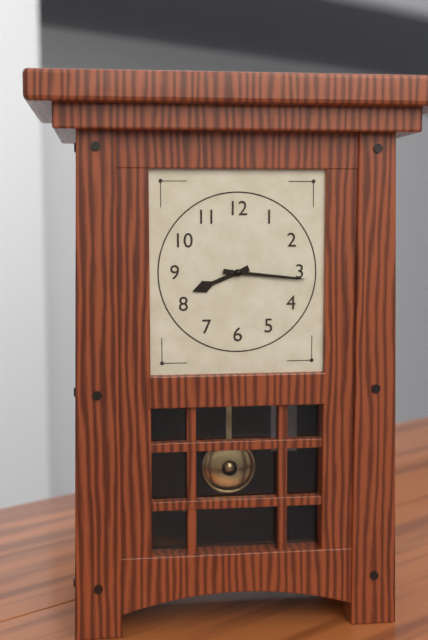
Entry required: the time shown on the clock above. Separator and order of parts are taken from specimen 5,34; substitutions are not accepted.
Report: 8,16
